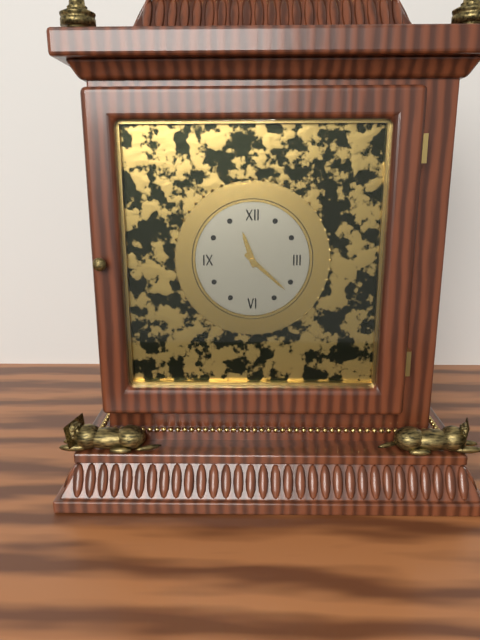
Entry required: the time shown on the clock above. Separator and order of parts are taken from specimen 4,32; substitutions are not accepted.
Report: 11,22
